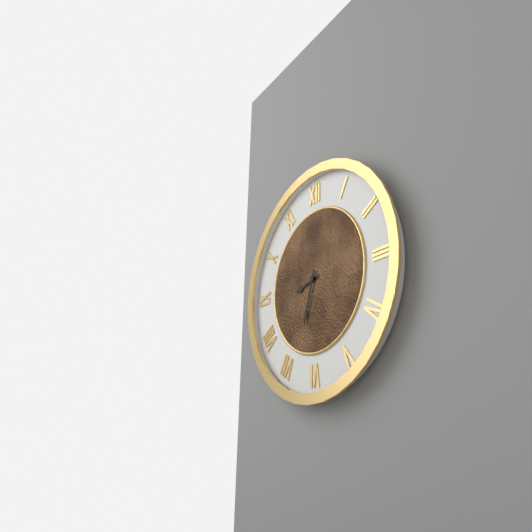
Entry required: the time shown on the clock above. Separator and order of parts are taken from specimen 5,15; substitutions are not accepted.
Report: 8,33
